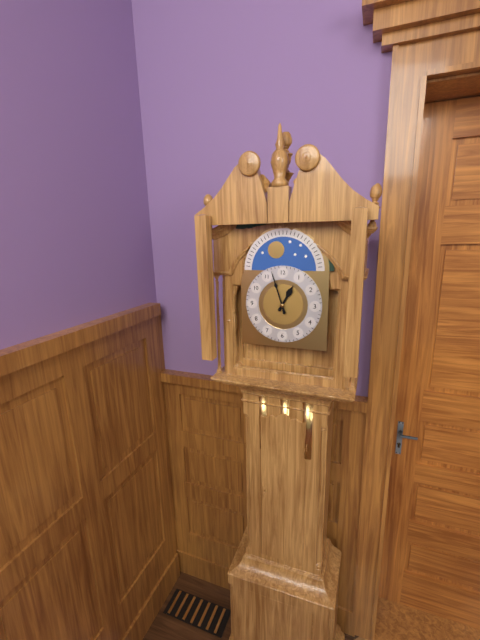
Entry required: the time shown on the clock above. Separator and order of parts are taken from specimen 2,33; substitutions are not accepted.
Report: 12,57
